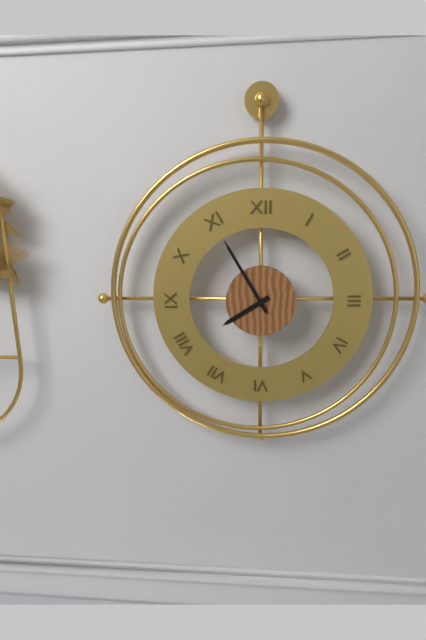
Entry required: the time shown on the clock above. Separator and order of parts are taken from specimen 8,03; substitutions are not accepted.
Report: 7,55
